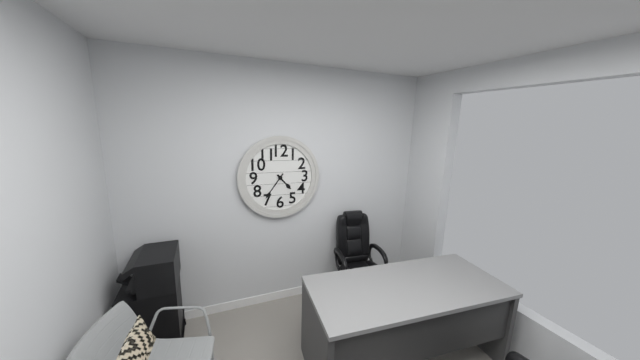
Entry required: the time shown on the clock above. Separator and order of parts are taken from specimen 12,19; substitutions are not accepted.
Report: 4,36
